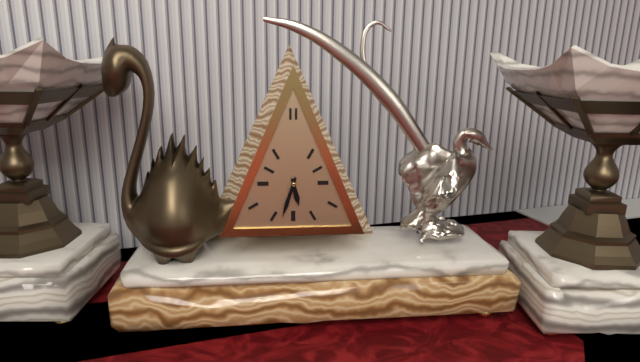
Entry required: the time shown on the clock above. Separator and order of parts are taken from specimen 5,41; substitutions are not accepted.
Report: 5,33
